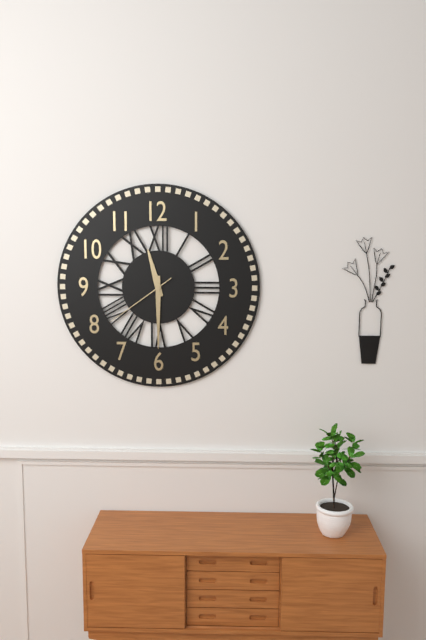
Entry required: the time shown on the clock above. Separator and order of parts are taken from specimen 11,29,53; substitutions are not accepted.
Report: 11,30,39
